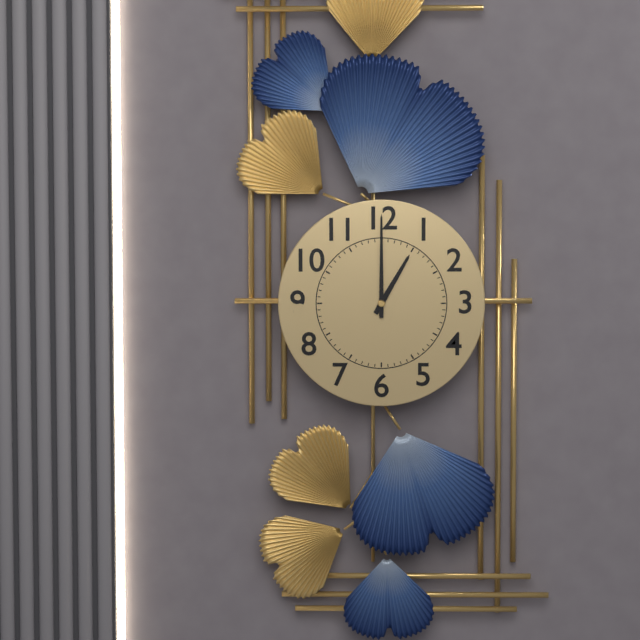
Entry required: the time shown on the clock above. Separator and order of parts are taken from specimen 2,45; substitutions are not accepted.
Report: 1,00
